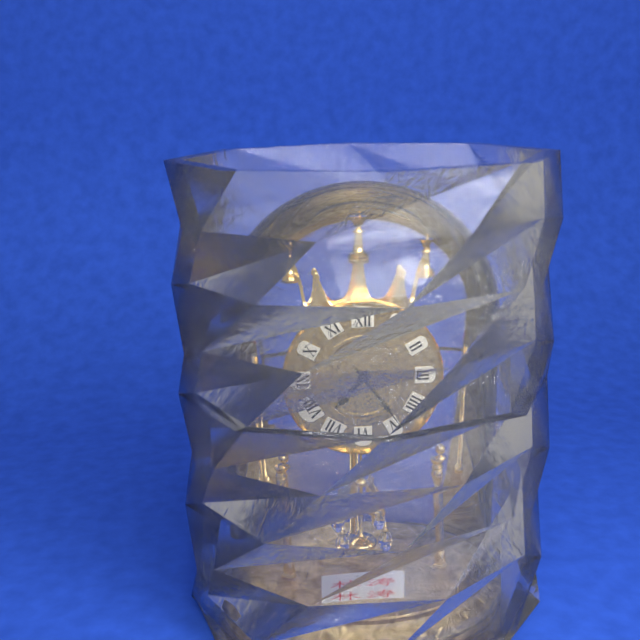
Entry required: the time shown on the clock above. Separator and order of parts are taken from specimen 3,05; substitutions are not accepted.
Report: 7,24
